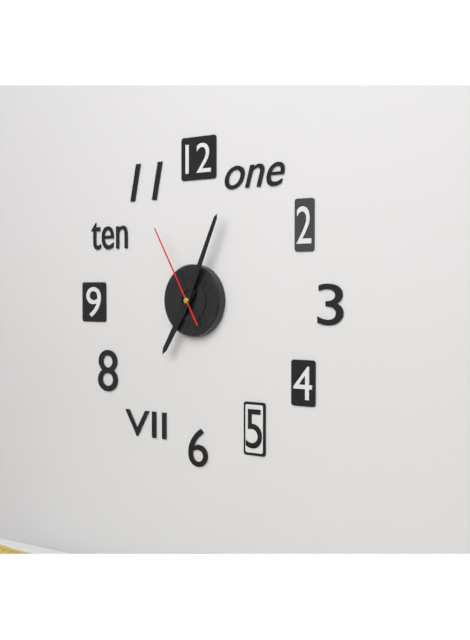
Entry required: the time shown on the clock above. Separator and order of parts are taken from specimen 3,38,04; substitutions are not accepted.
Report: 7,04,55
